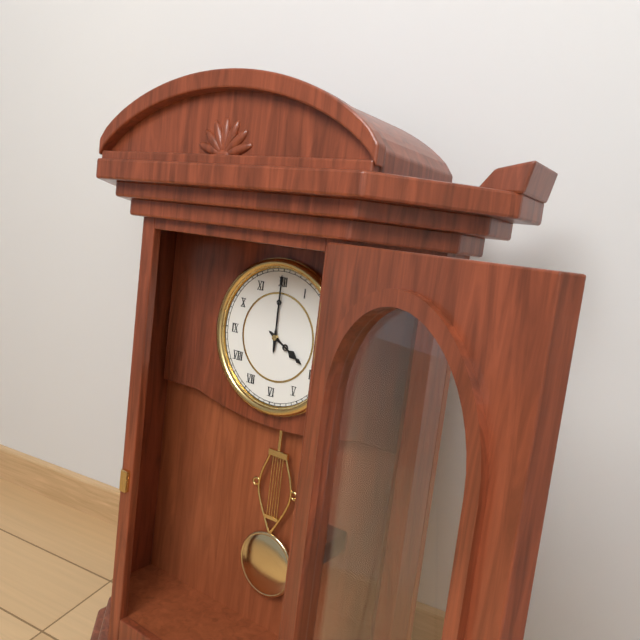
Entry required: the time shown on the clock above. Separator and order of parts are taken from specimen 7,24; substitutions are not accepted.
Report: 4,00
